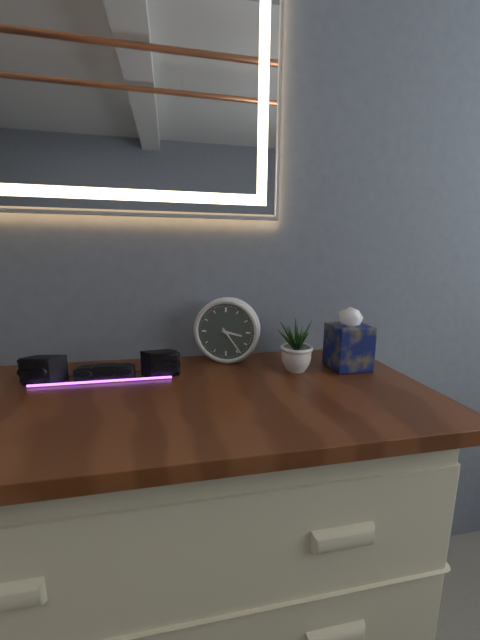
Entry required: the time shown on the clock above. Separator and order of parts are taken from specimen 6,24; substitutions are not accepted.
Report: 3,24
